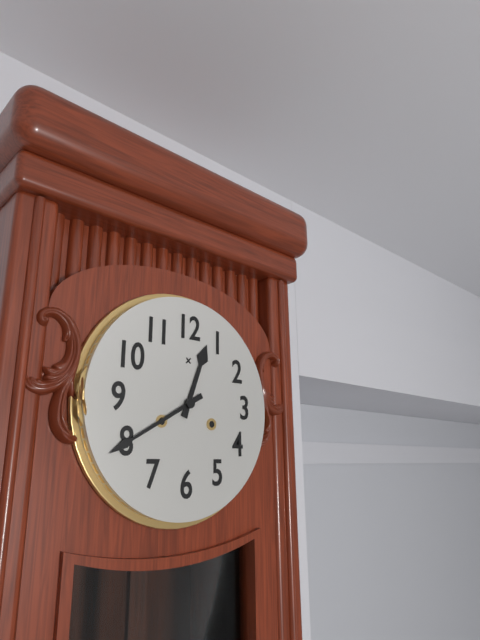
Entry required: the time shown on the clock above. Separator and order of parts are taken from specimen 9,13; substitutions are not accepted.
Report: 12,40
